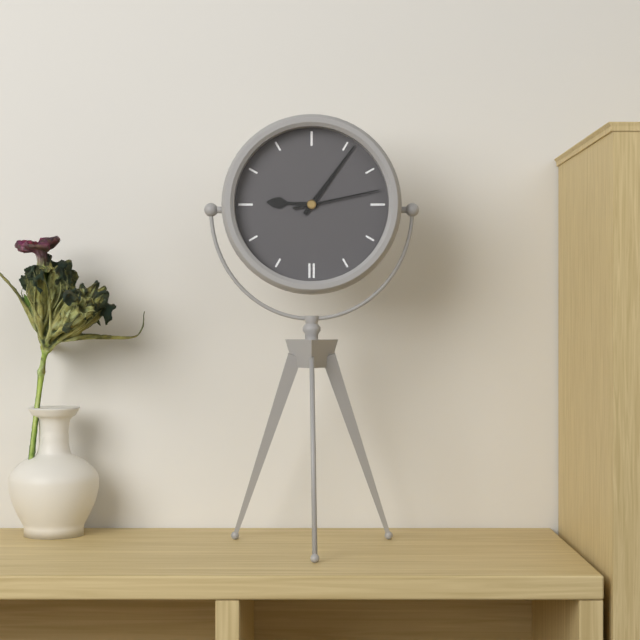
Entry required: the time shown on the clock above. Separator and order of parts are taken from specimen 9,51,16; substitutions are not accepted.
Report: 9,06,13
